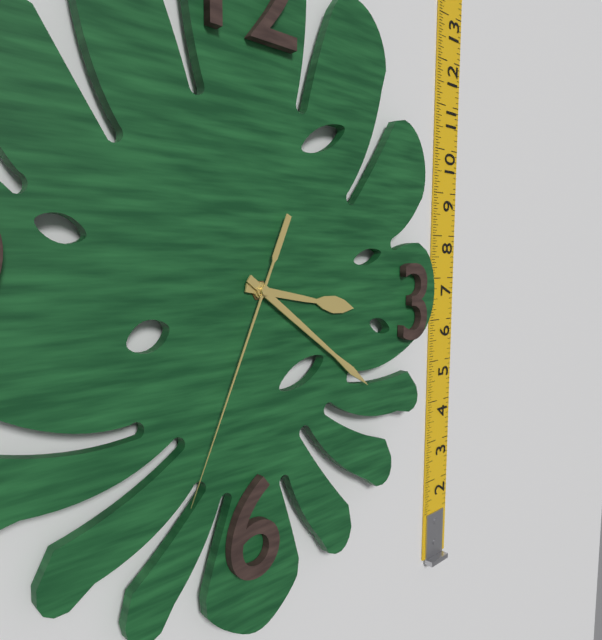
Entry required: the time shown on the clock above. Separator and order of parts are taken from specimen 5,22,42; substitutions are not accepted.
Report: 3,21,34
